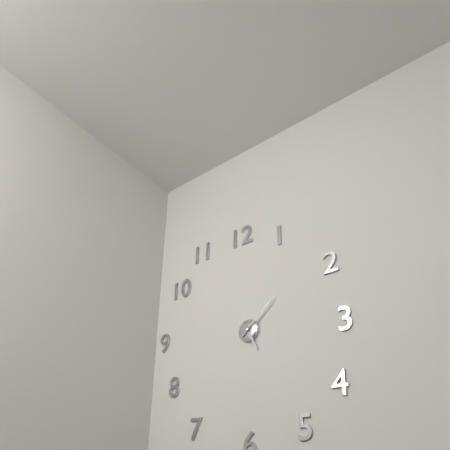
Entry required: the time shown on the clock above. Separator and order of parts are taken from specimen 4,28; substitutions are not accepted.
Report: 5,08
